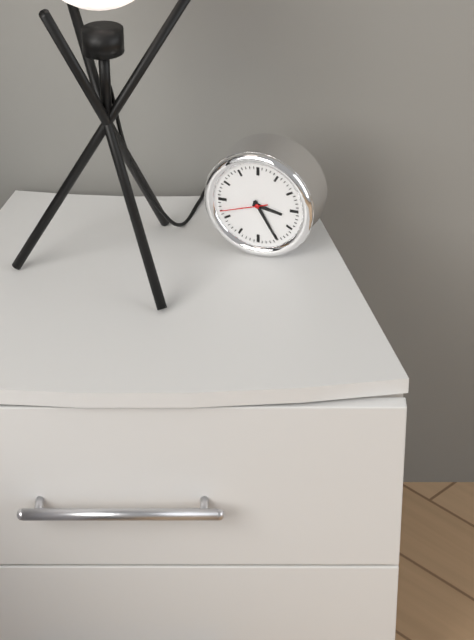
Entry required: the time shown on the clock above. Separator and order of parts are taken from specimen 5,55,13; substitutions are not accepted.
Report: 3,25,42
